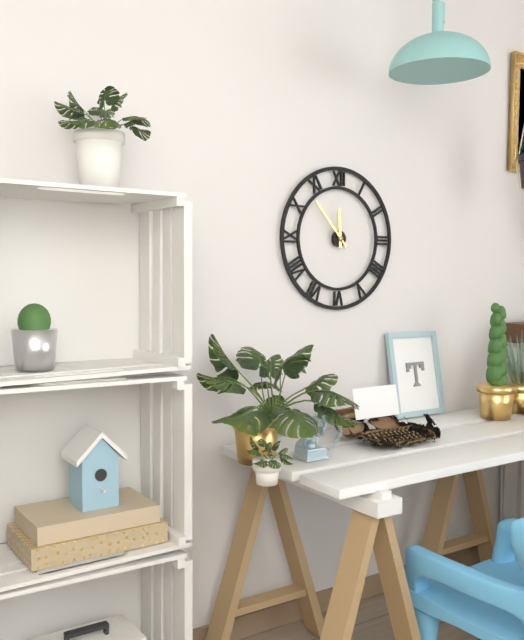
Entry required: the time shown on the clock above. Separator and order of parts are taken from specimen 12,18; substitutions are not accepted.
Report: 11,53
